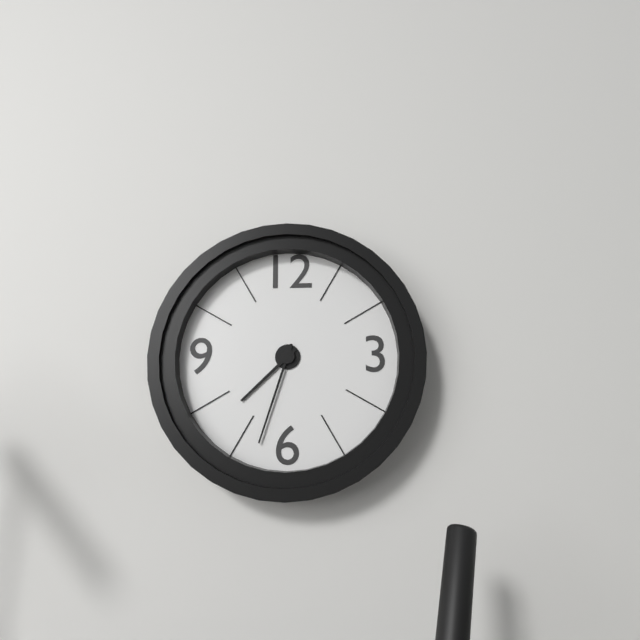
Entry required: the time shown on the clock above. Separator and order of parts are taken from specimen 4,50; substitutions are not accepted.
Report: 7,33
